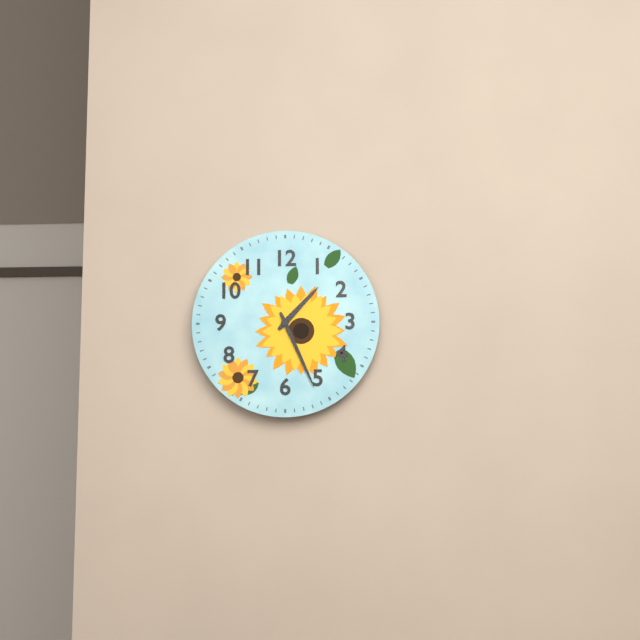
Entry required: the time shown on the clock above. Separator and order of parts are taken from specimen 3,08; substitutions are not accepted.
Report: 1,26
